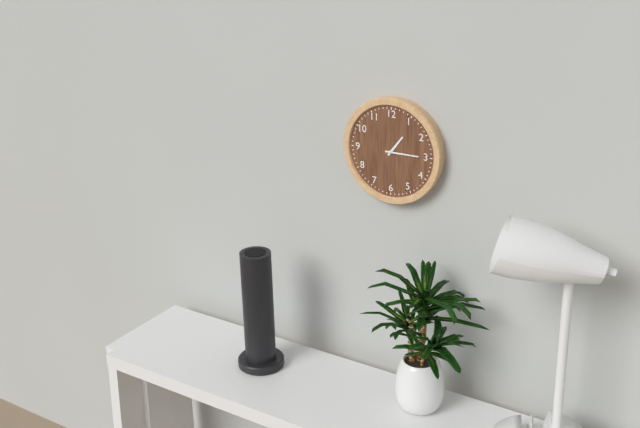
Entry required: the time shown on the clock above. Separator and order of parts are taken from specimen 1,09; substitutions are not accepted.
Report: 1,15
